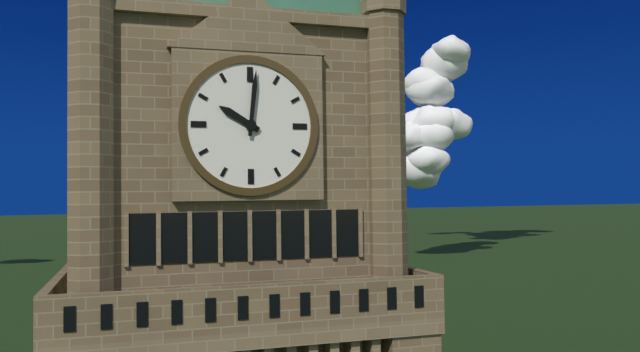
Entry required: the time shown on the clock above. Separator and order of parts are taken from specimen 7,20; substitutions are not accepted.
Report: 10,01
